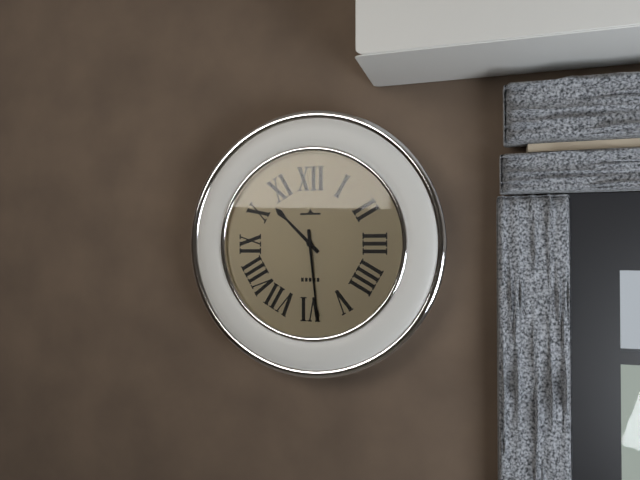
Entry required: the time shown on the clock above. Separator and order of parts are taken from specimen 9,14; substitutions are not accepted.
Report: 10,29
